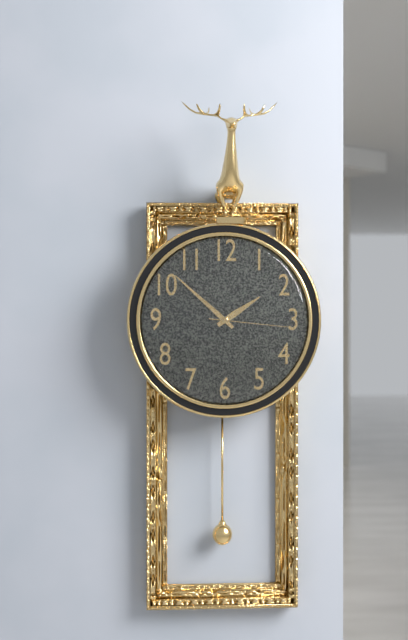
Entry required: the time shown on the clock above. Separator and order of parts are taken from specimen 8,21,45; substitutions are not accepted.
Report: 1,52,16
